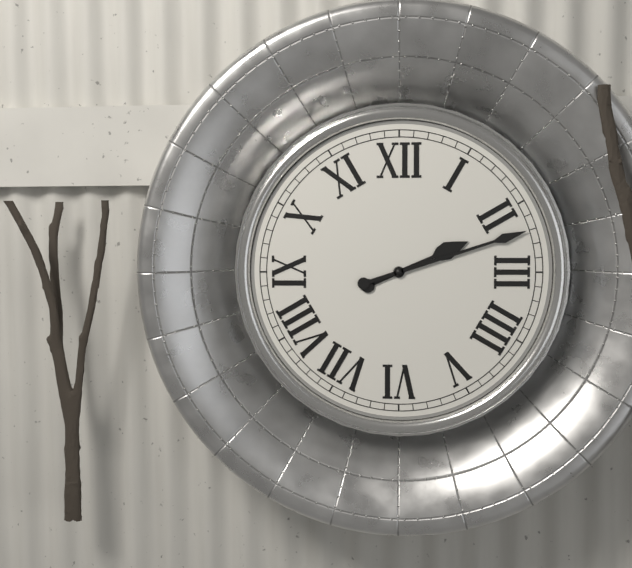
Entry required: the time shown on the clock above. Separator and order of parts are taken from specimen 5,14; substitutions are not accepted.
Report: 2,12
